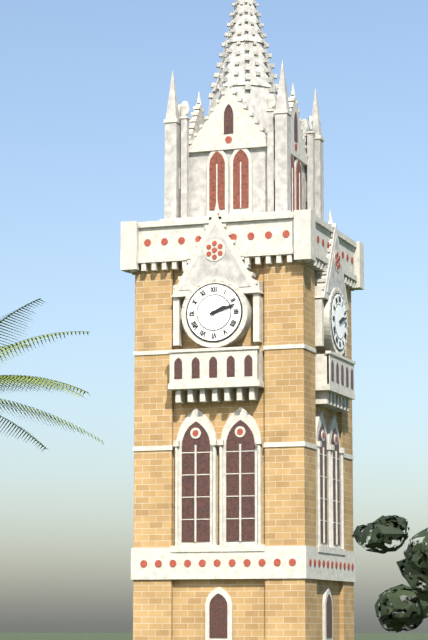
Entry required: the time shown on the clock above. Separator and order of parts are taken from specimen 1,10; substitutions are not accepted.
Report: 2,12
